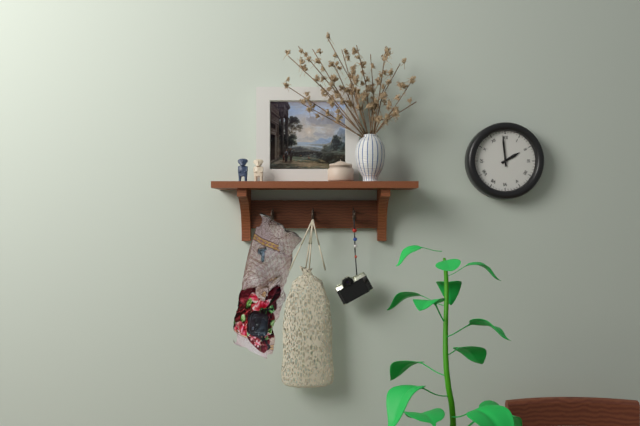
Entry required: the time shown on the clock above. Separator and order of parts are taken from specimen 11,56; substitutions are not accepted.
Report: 1,59
